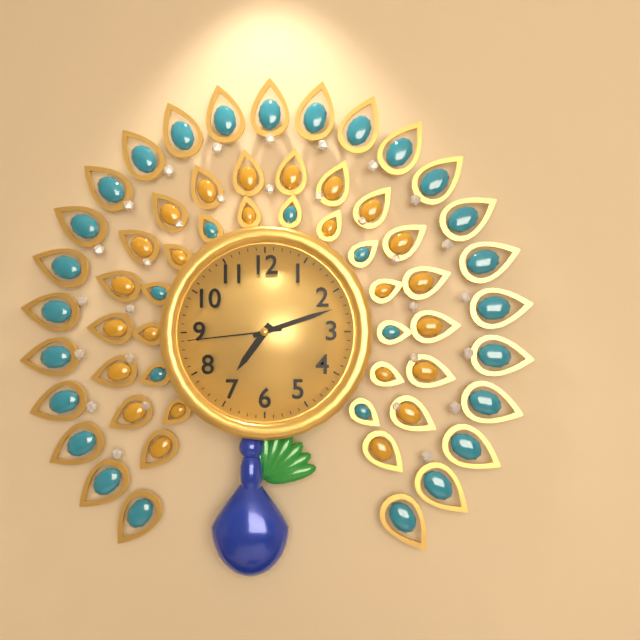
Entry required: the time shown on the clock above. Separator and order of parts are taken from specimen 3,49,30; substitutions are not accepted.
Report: 7,12,44
